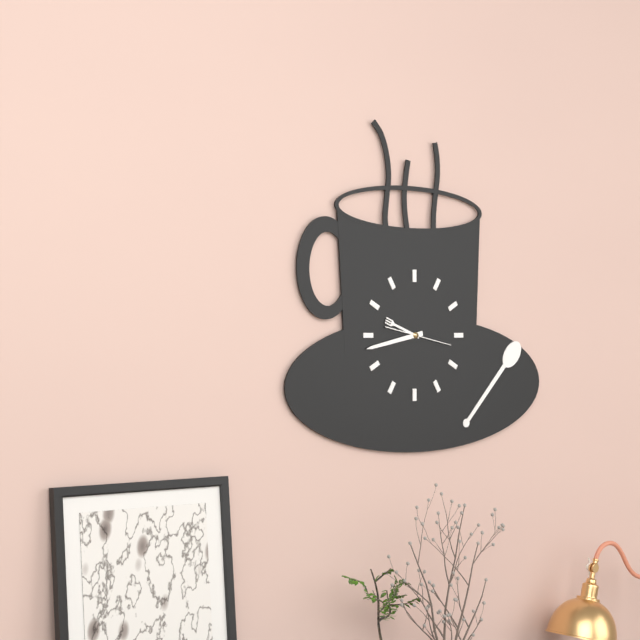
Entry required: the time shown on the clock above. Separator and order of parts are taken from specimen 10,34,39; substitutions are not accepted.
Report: 9,43,17
